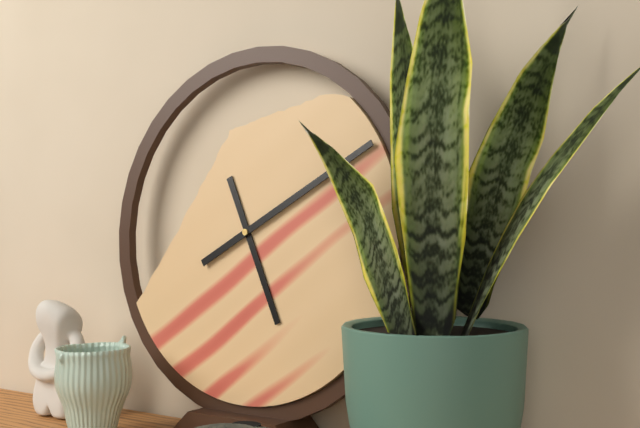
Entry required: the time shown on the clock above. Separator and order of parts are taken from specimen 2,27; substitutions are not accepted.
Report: 5,10
